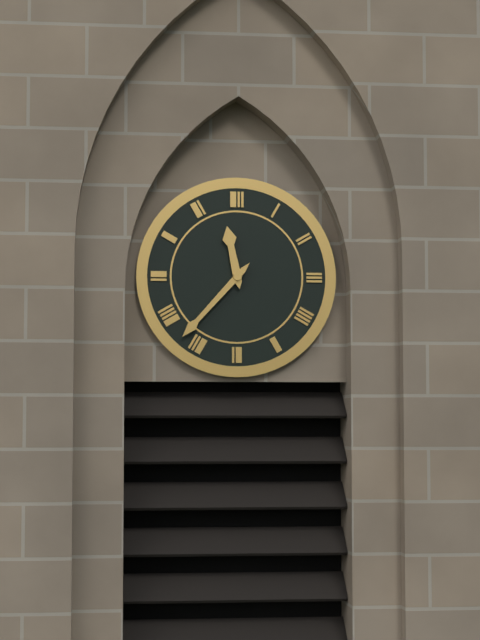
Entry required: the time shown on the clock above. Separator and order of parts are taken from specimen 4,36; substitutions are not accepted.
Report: 11,37
